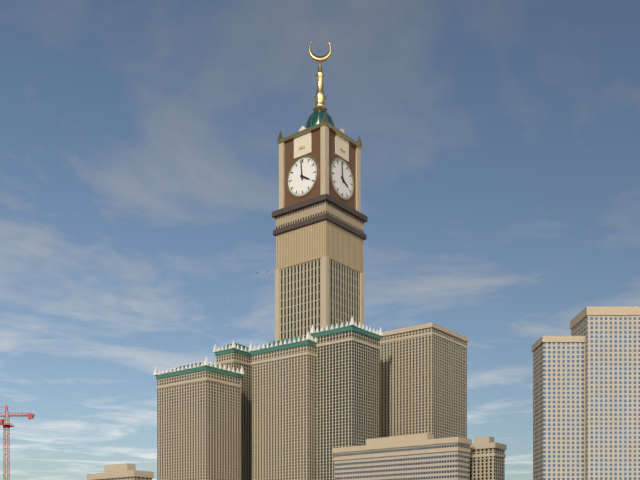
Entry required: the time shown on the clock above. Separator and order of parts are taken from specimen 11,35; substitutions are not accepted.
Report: 3,59
